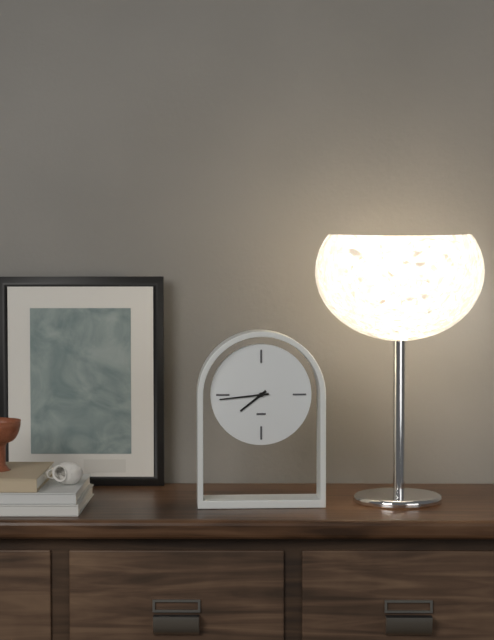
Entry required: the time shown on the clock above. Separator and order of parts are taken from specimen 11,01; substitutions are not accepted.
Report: 7,44
